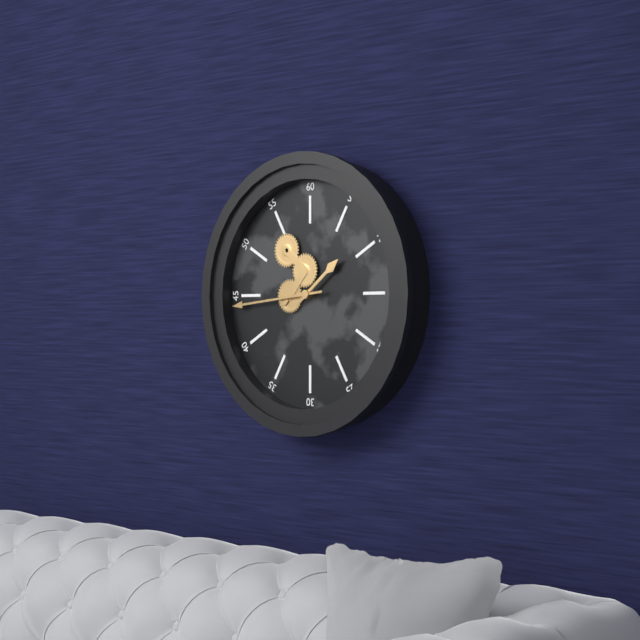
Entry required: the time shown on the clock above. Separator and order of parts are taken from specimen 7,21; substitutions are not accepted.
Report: 1,44
